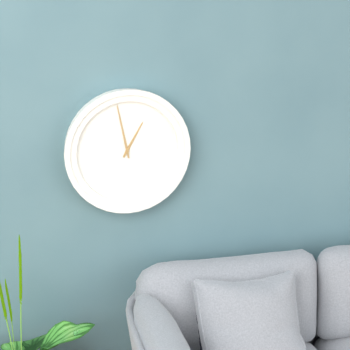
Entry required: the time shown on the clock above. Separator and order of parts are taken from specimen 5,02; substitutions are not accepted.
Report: 12,58
